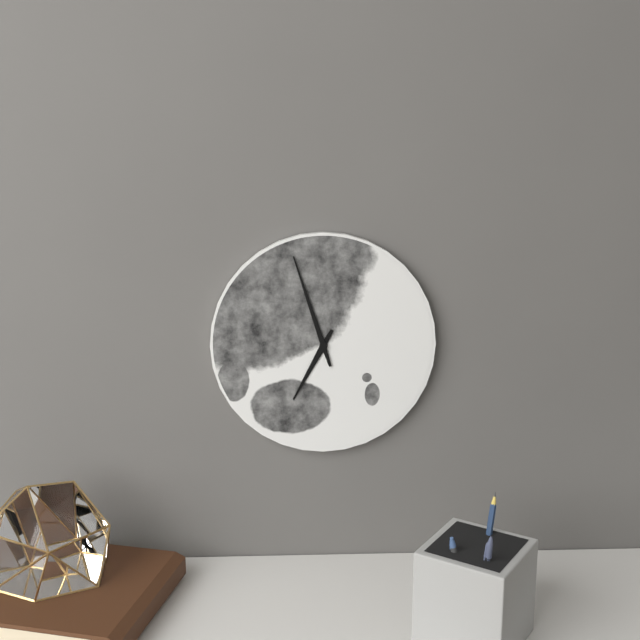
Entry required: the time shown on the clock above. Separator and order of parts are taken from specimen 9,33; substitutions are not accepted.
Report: 6,57
